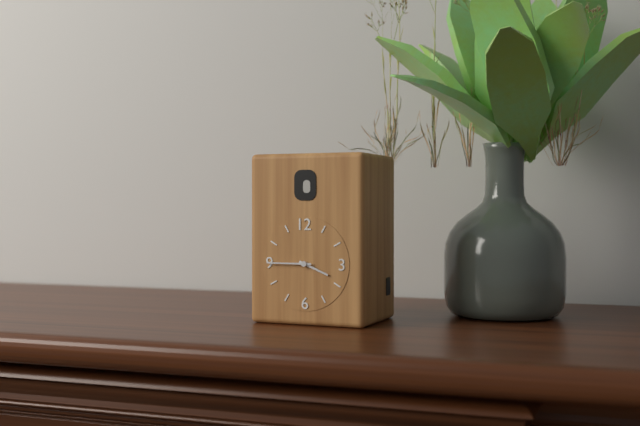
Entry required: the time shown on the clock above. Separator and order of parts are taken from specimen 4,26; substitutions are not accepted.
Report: 3,45
